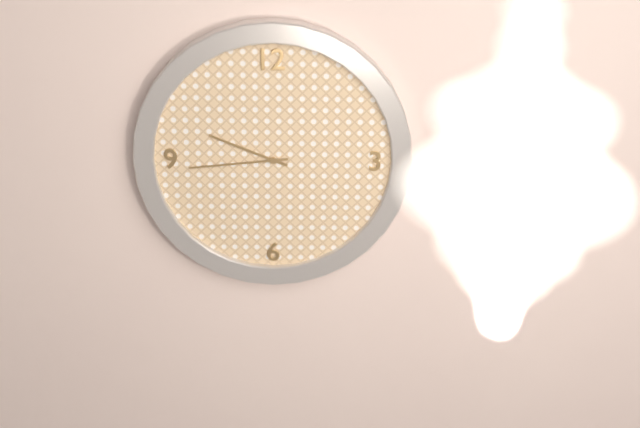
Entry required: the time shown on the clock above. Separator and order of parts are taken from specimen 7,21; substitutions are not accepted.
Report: 9,44
